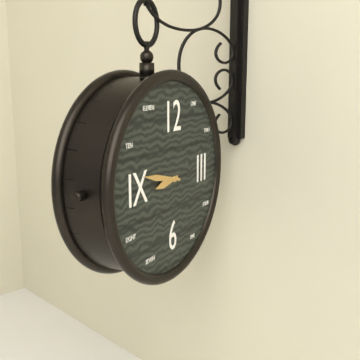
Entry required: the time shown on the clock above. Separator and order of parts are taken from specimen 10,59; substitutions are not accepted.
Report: 8,47
